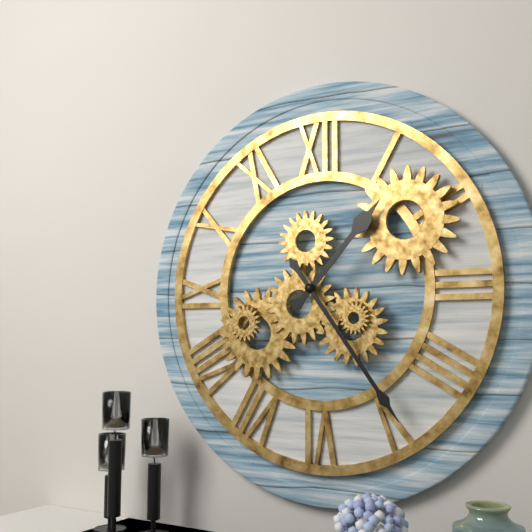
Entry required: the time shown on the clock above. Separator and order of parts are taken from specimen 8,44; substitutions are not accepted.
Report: 1,24
